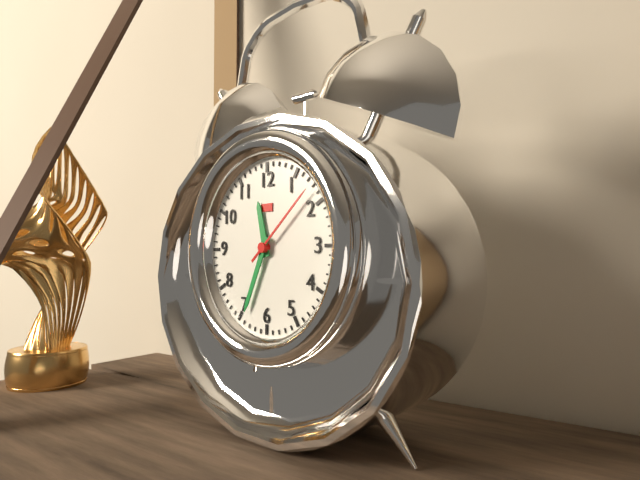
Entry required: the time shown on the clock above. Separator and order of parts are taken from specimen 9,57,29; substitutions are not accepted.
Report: 11,34,08
